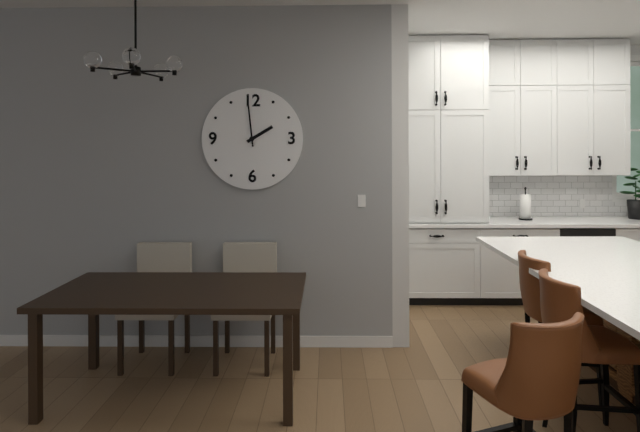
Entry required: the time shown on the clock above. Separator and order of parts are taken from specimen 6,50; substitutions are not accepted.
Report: 1,59
